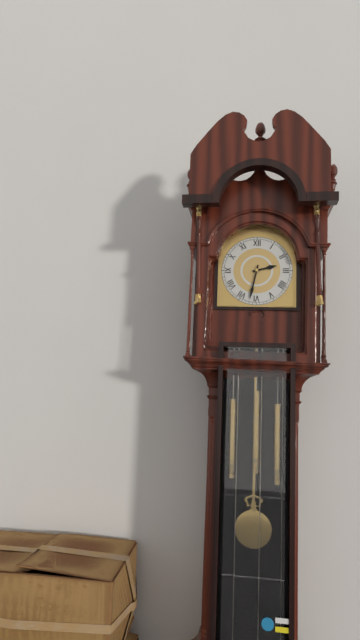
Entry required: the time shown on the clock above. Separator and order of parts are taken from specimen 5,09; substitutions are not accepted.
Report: 2,32
